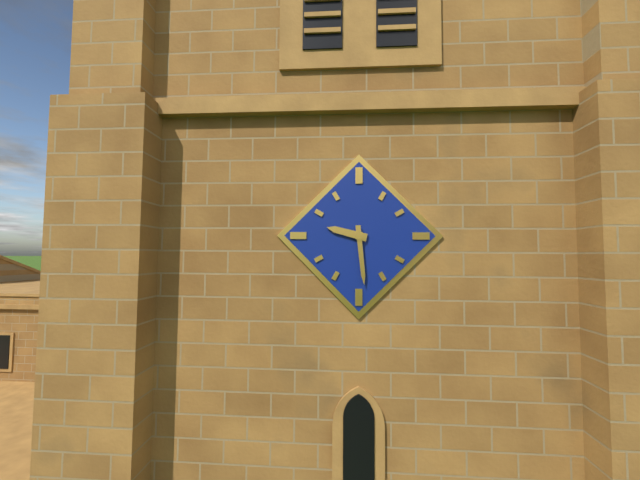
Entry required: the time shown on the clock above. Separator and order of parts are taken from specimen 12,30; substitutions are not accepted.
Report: 9,29
